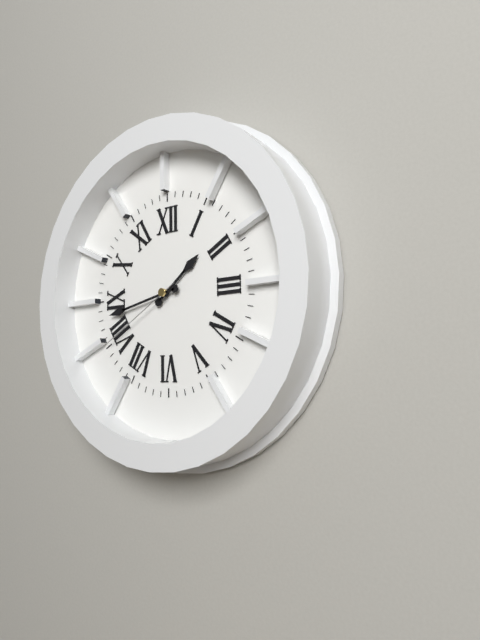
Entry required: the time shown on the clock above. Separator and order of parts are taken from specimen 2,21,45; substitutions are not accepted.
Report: 1,43,40
